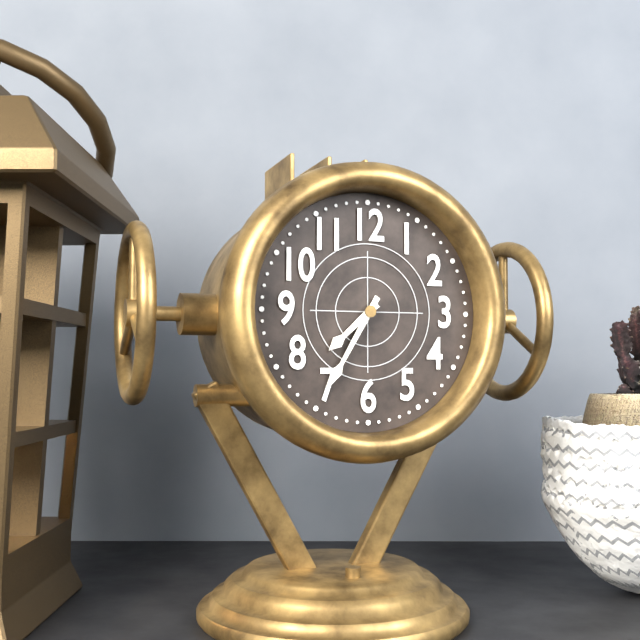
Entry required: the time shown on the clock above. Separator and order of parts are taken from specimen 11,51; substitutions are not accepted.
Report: 7,35
